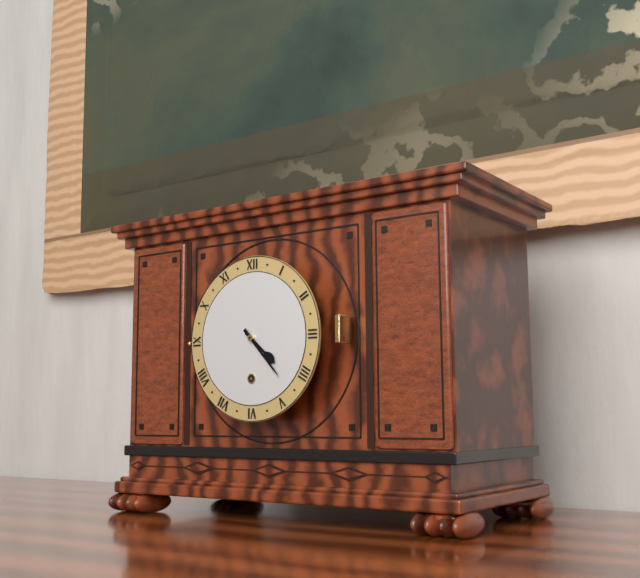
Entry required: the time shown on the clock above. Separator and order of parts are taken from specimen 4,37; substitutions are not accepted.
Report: 4,23
